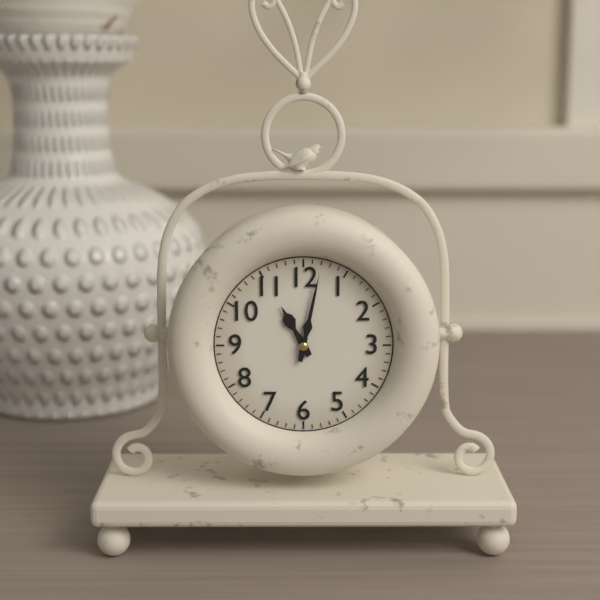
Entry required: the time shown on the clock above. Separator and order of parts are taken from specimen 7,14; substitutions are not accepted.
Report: 11,02
